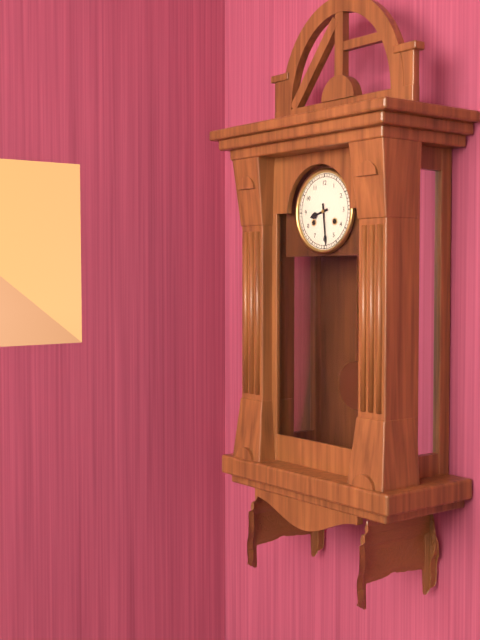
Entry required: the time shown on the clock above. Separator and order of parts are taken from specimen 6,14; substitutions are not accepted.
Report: 8,29
